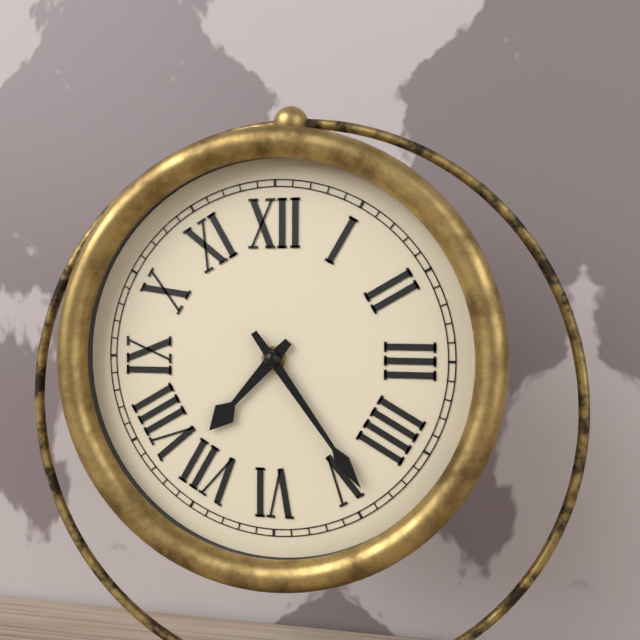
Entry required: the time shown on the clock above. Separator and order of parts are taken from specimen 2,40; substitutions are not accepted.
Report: 7,24
